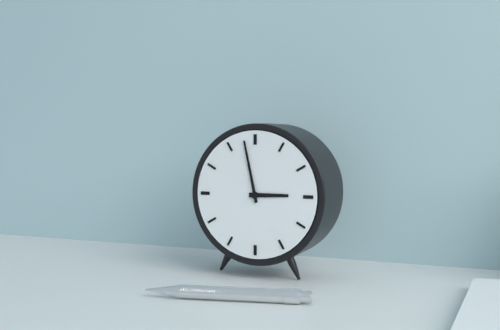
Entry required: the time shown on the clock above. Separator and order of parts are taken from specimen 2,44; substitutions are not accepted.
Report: 2,58
